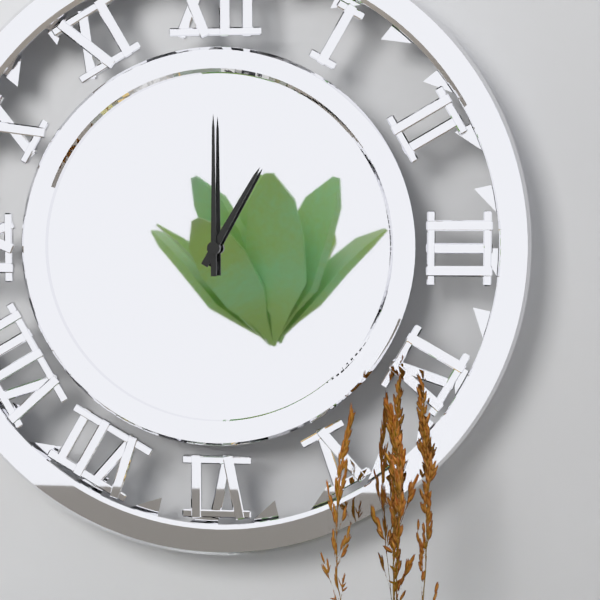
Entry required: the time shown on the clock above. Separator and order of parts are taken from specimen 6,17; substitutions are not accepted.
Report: 1,00
